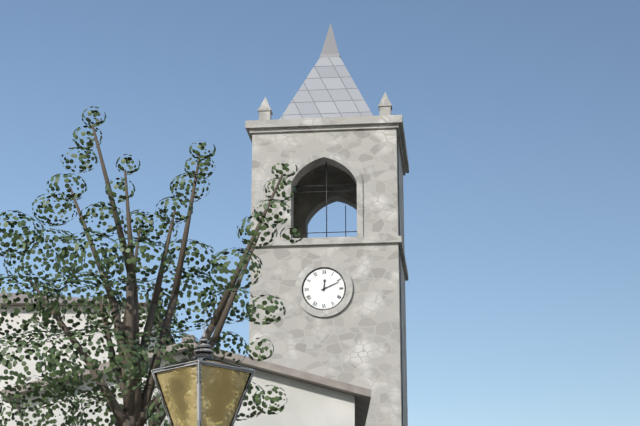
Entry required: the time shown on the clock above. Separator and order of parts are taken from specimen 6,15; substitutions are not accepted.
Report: 12,11
